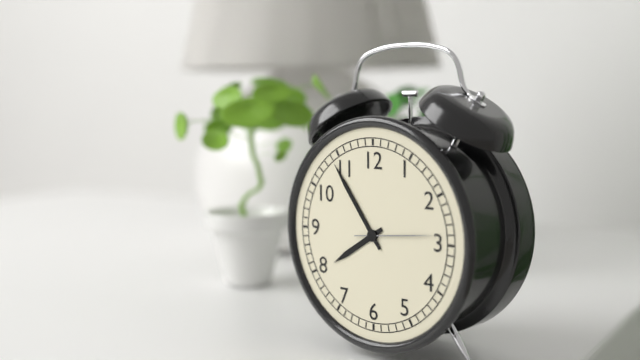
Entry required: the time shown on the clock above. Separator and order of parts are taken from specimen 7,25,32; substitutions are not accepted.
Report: 7,54,14
